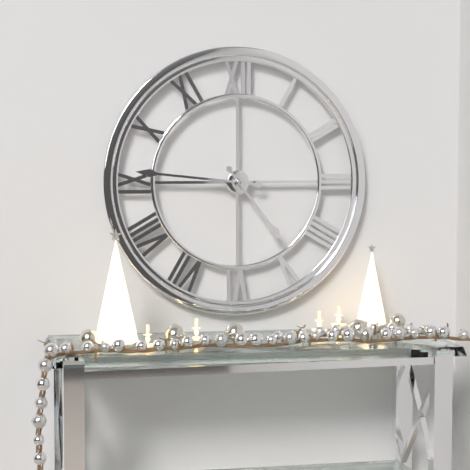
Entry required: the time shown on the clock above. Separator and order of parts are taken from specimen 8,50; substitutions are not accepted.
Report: 4,46
